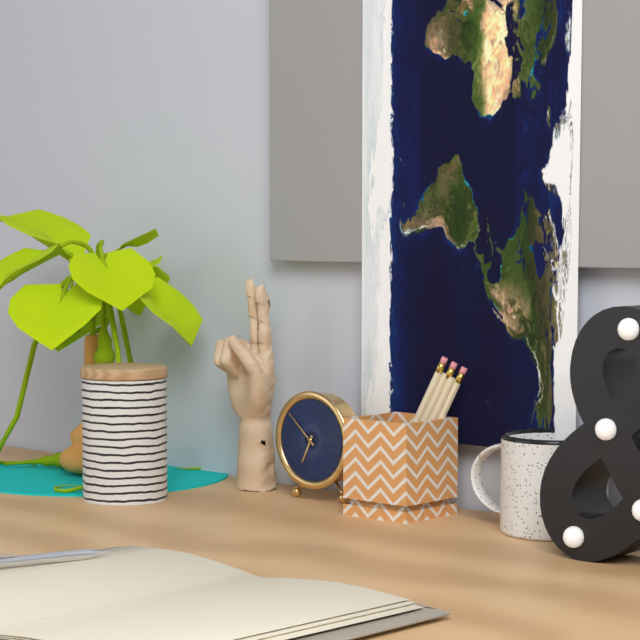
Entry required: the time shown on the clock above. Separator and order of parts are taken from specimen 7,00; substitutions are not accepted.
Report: 6,52
